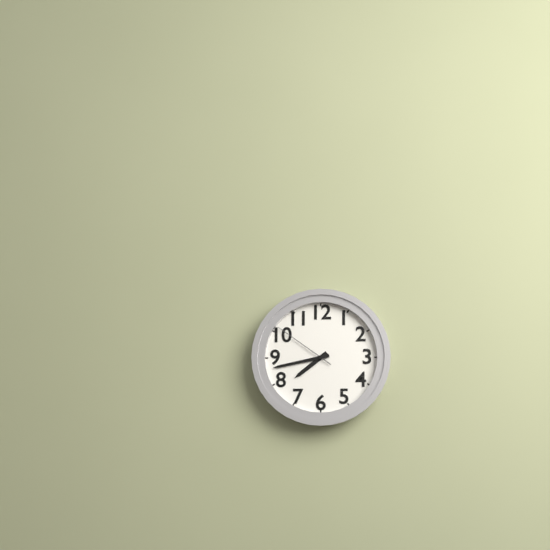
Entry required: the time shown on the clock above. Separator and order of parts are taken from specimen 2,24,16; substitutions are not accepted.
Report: 7,43,51
